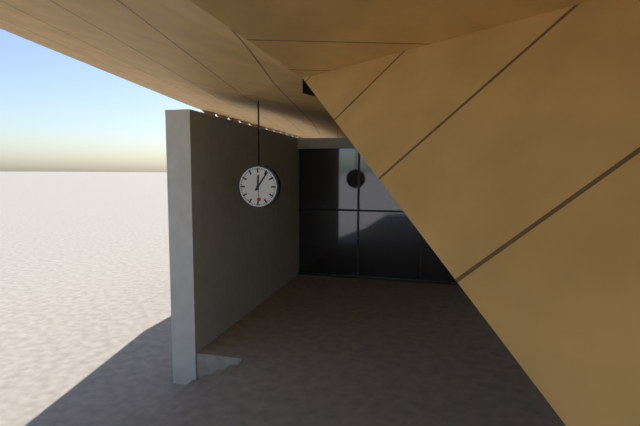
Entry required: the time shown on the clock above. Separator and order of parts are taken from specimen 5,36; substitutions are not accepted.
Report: 12,06
